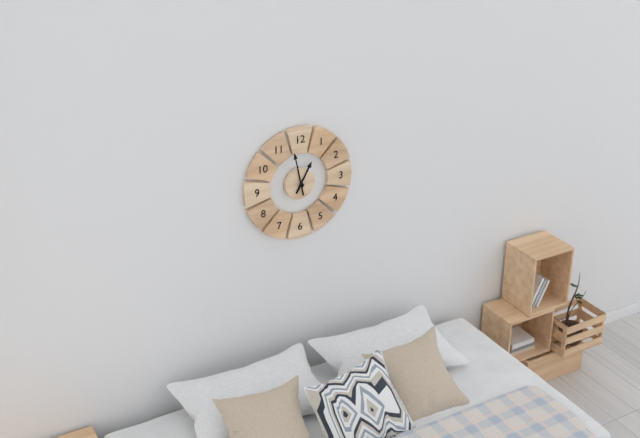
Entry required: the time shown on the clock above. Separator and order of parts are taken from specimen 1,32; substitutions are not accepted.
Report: 12,58
